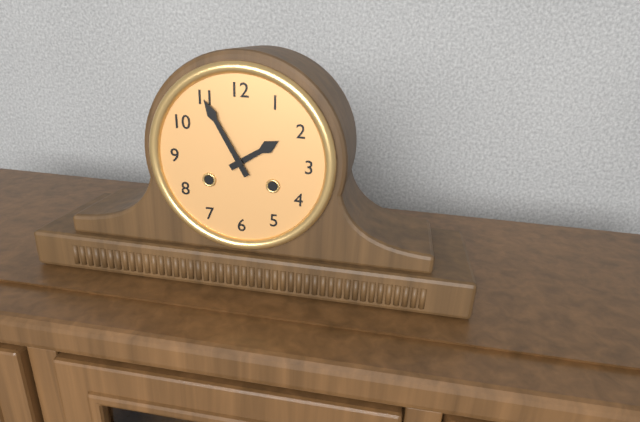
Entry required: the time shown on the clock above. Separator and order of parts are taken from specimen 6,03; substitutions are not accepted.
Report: 1,55
